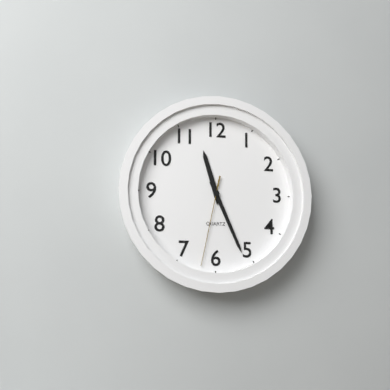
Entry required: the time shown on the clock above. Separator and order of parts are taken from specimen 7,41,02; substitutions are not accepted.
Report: 11,26,32
